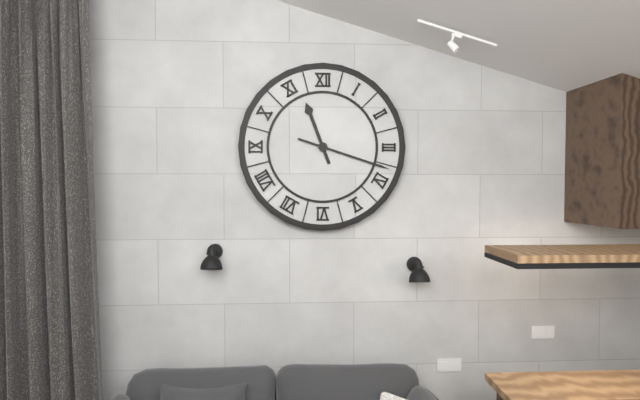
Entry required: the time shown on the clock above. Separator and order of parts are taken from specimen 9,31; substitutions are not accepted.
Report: 11,18
